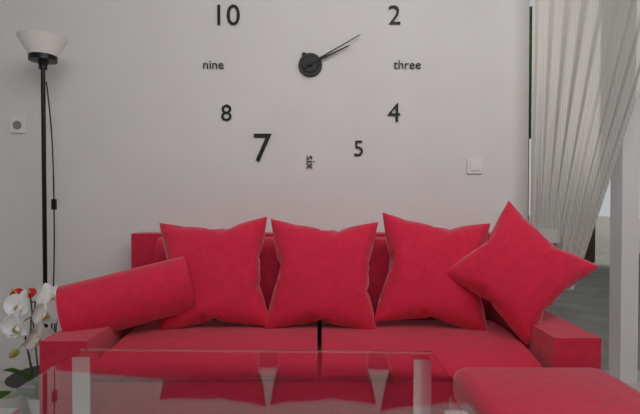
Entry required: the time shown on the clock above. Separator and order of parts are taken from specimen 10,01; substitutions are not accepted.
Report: 2,10
